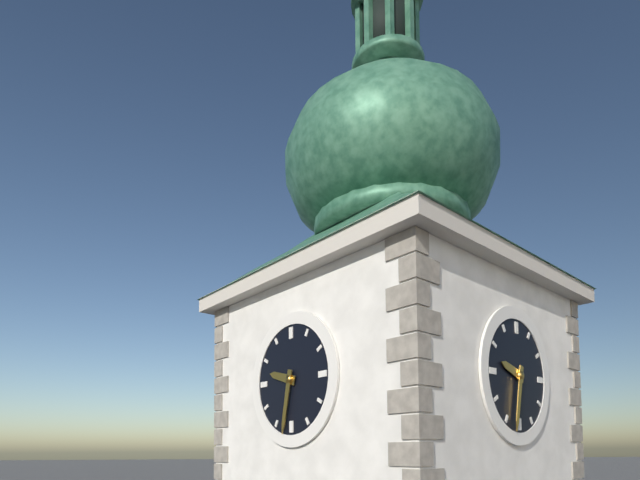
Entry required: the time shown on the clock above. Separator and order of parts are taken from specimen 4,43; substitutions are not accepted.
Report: 9,32
